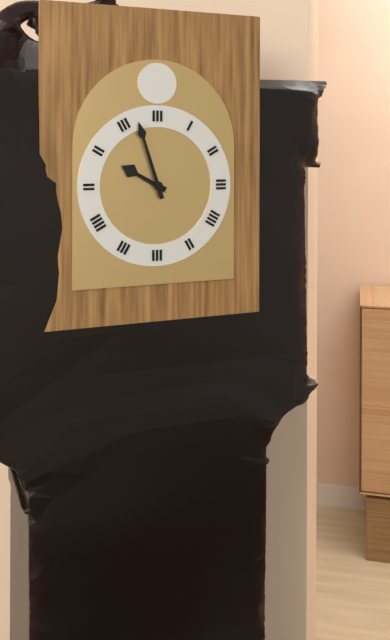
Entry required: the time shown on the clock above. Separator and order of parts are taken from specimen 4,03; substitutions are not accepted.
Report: 9,57
